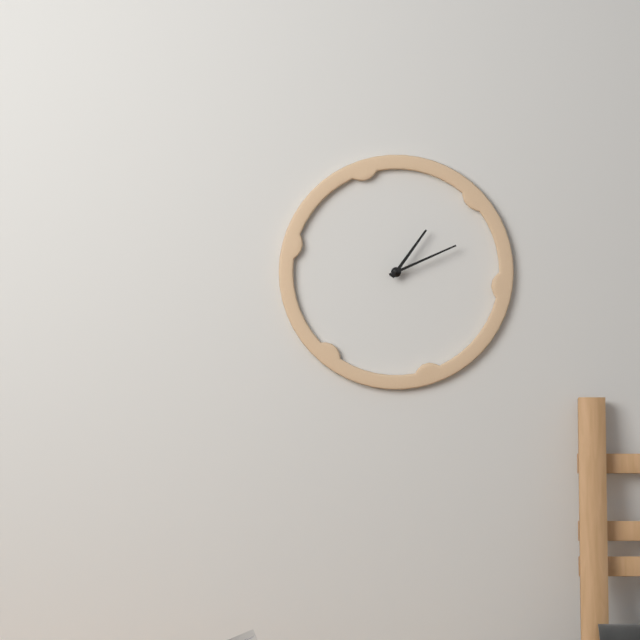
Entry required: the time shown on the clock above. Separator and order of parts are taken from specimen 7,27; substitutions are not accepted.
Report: 1,11
